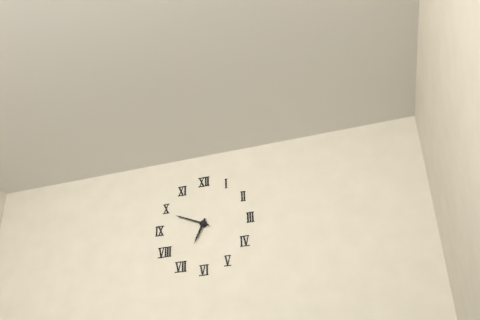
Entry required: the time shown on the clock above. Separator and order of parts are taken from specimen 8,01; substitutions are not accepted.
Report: 6,49
